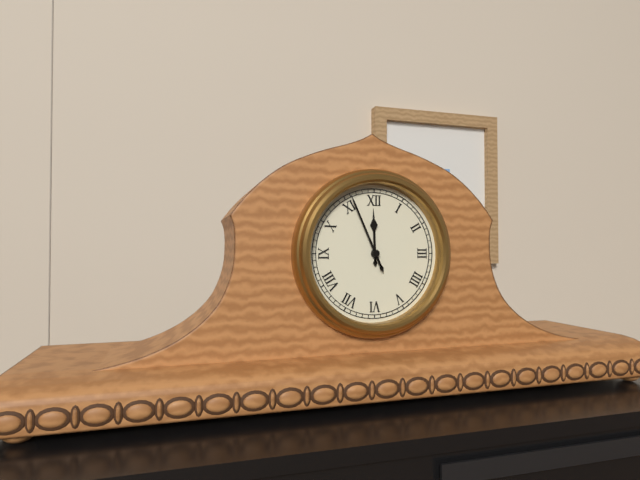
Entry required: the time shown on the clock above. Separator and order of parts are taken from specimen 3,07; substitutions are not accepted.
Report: 11,56
